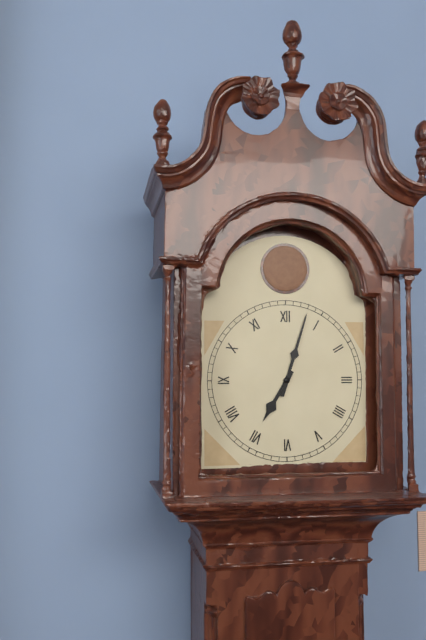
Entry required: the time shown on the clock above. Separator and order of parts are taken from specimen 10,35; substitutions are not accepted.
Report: 7,03
